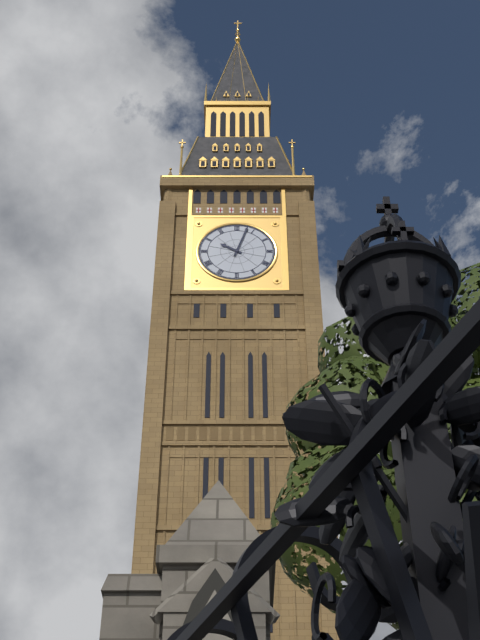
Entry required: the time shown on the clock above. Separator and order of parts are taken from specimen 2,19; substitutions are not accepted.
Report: 10,03
